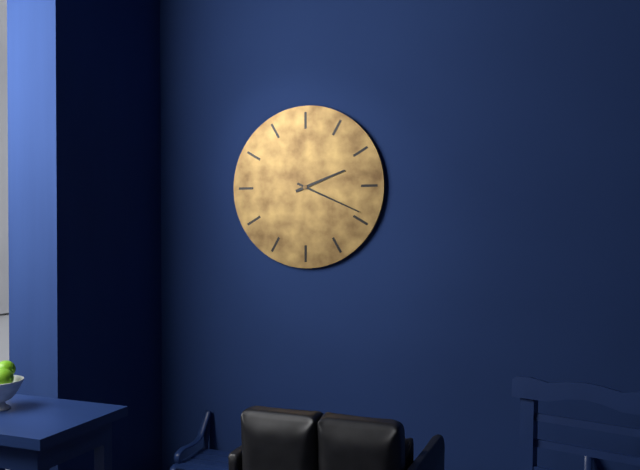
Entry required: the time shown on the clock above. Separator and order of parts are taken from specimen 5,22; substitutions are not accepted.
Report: 2,19
